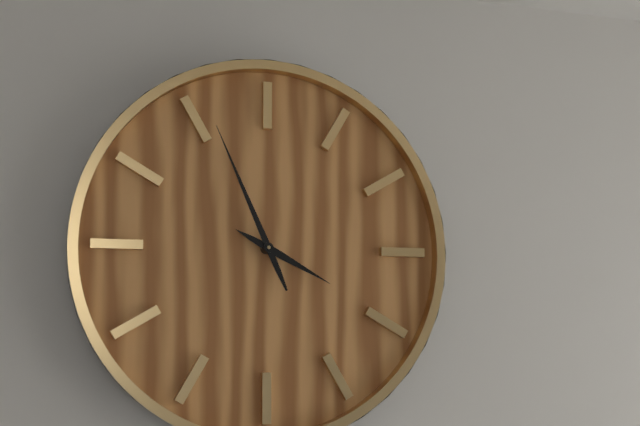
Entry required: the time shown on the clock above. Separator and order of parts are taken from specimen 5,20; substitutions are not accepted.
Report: 3,56
